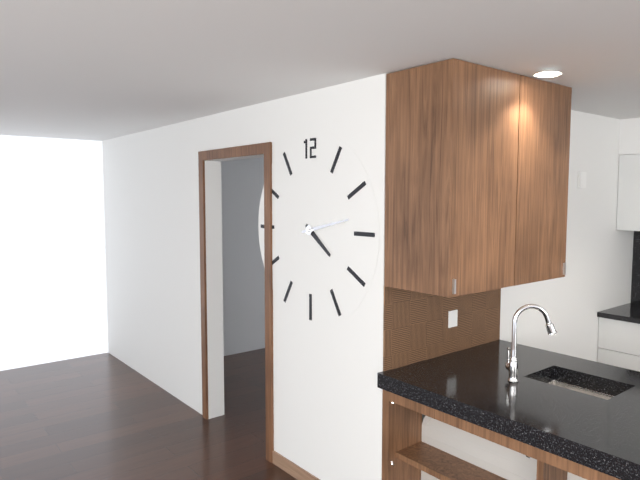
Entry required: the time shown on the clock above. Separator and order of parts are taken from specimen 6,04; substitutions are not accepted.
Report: 4,13
